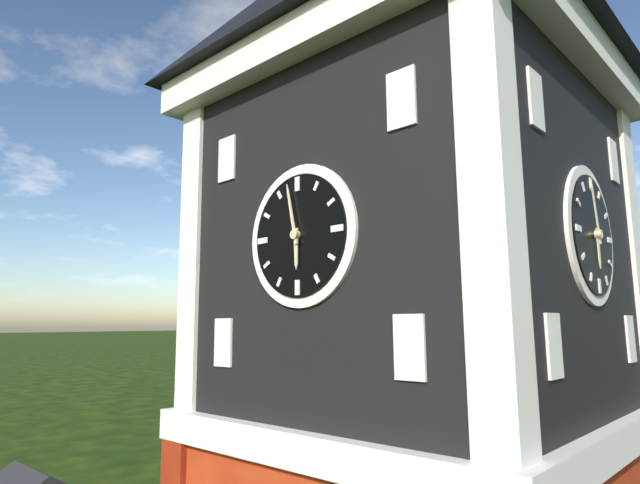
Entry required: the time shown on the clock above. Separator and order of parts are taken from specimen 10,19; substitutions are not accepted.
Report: 5,58
